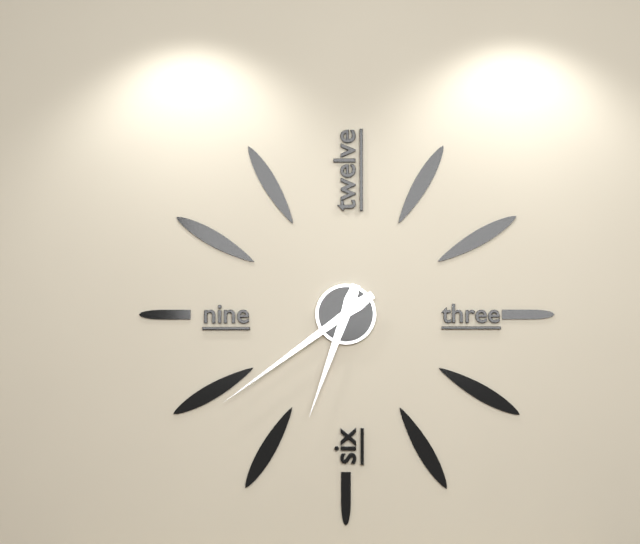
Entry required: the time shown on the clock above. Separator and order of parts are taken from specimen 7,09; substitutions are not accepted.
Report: 6,39
